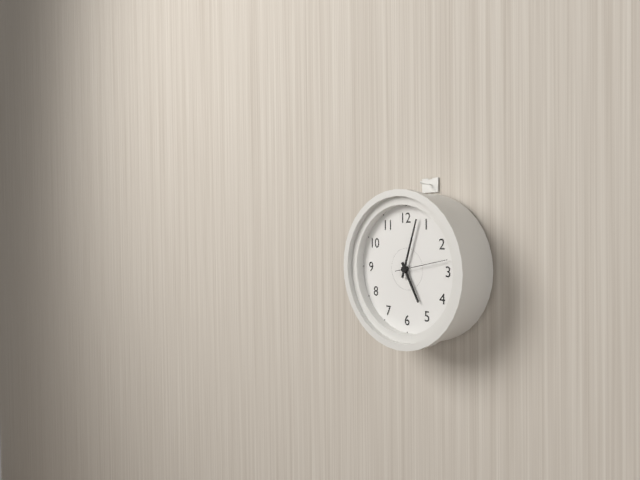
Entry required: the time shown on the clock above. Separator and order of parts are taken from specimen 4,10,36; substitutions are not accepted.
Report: 5,03,13
